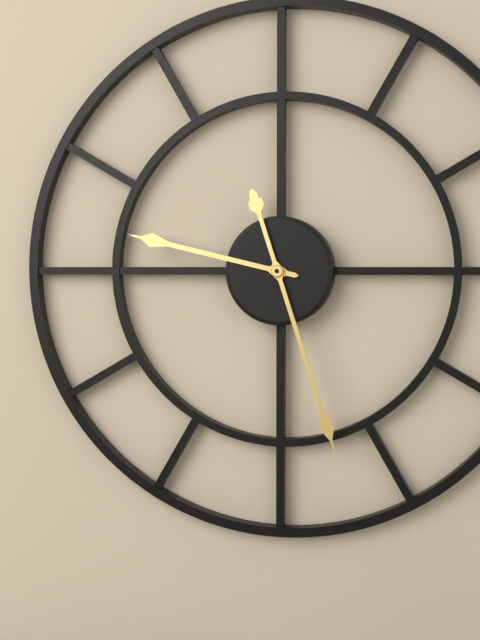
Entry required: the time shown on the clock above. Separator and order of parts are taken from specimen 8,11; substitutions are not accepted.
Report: 9,27
